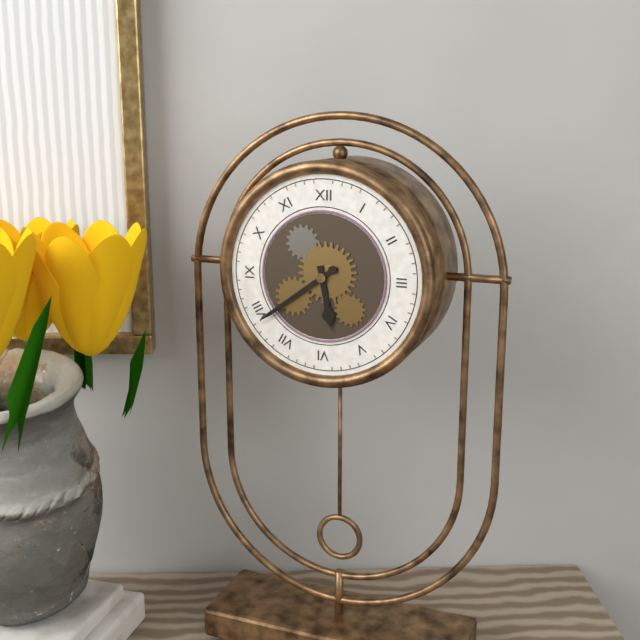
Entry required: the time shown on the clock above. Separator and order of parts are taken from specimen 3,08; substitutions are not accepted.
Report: 5,39
